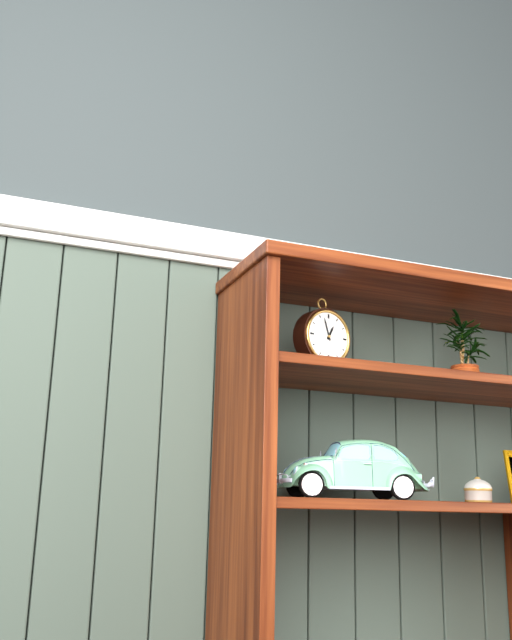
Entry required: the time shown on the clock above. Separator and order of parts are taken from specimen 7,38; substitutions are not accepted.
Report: 12,57
